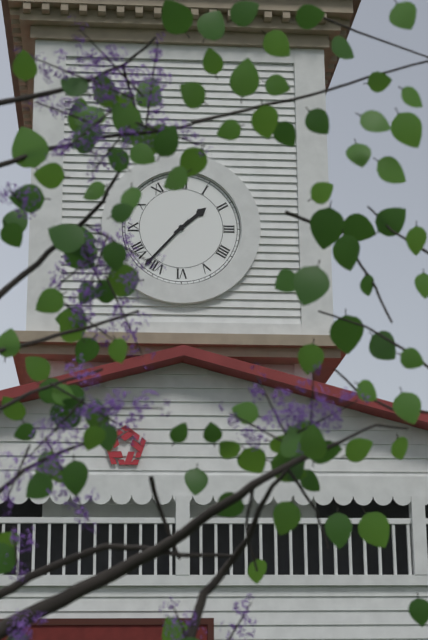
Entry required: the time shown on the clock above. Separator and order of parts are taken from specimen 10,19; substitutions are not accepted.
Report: 1,37
